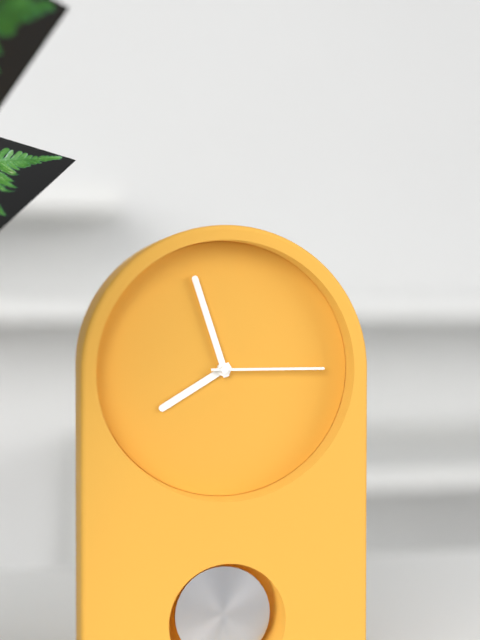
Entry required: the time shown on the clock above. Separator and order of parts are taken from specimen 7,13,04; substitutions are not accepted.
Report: 7,57,15
